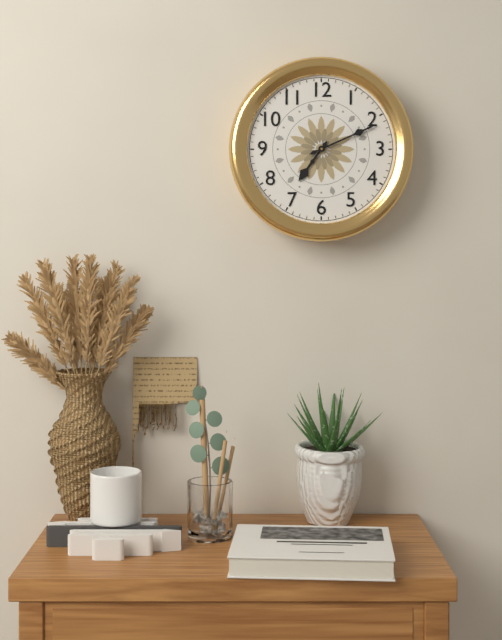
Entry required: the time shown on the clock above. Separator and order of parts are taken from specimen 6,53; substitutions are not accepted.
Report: 7,11
